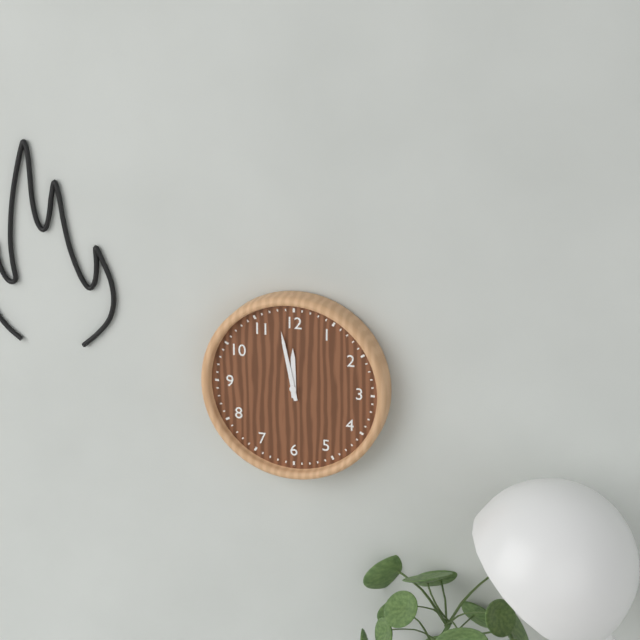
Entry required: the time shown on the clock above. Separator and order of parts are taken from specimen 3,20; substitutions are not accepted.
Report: 11,58
